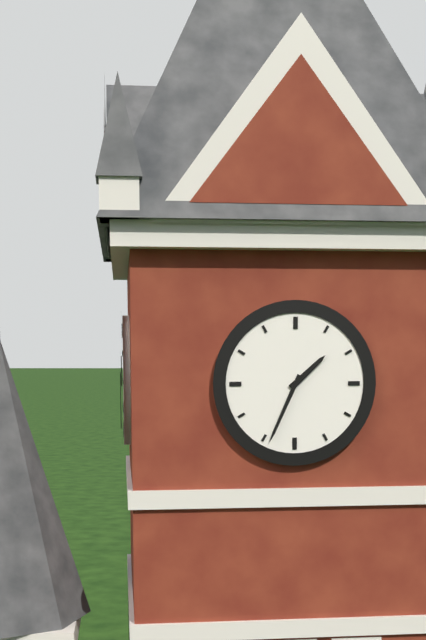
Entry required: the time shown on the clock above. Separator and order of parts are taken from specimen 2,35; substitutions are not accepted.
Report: 1,34
